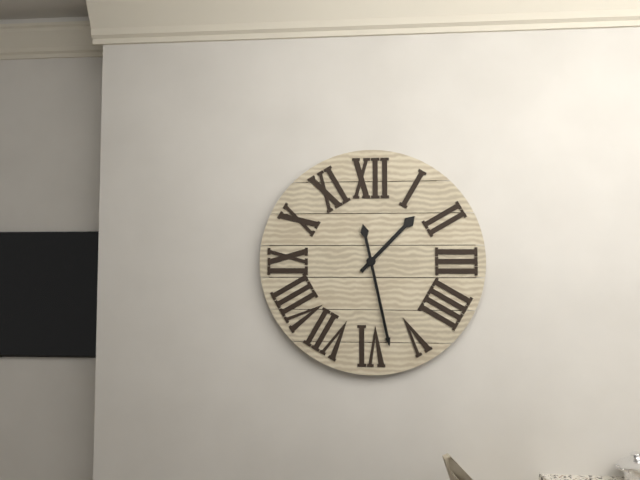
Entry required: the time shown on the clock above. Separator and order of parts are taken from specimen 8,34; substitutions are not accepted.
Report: 1,28
